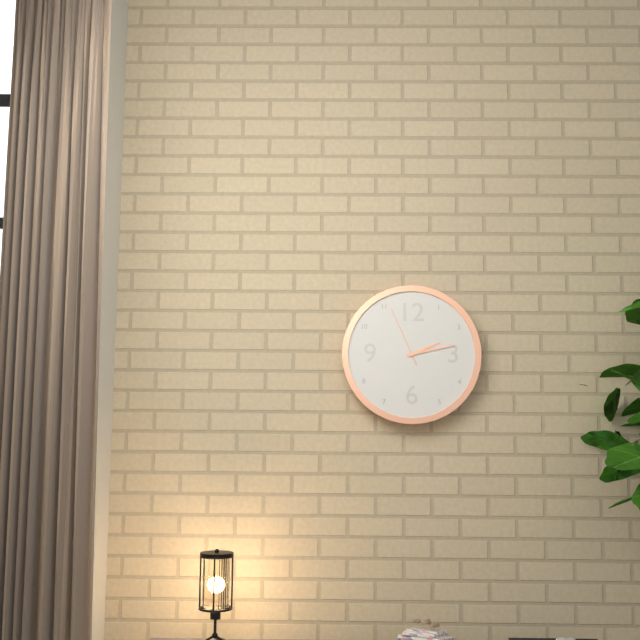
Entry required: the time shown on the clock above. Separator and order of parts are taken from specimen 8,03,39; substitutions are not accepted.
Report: 2,13,56
